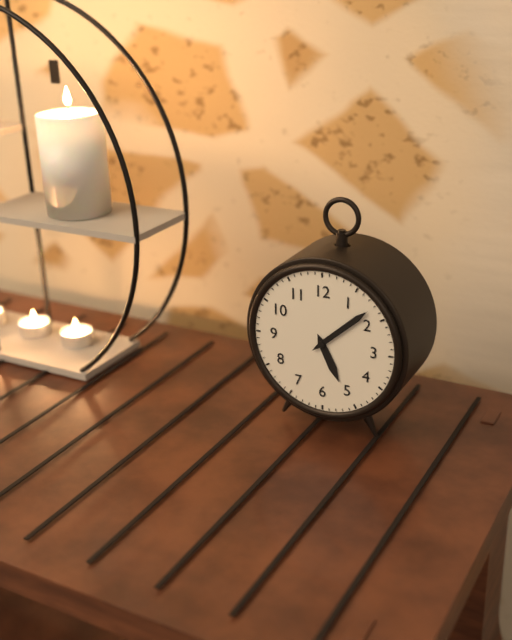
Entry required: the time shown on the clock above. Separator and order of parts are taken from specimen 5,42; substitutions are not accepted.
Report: 5,08
